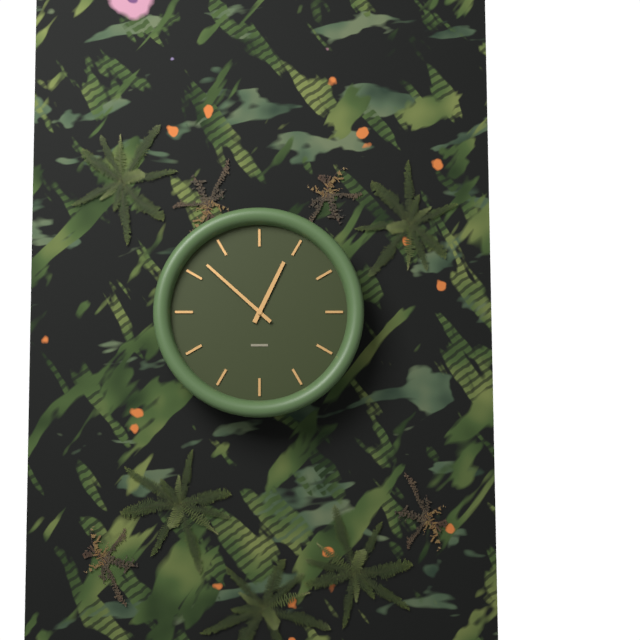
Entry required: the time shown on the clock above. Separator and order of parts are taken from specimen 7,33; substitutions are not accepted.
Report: 12,52
